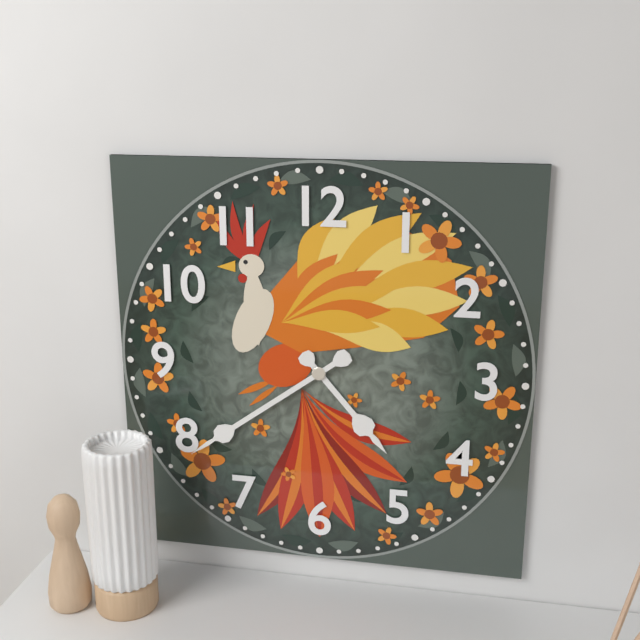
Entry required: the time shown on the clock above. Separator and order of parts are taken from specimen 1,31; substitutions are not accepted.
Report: 4,39
